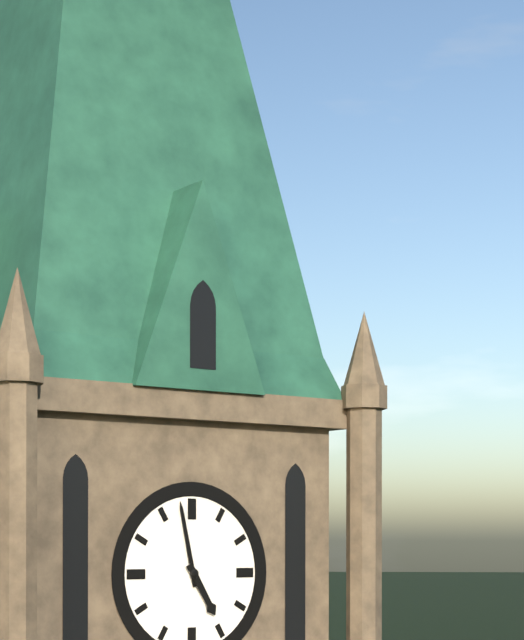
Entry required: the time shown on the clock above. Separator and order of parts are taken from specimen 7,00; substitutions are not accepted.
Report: 4,58
